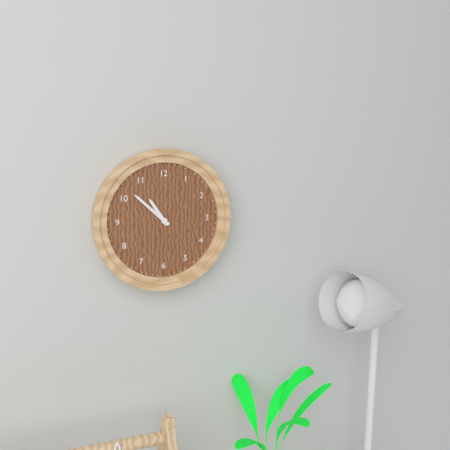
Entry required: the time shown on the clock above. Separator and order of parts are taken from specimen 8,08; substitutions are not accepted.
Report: 10,52
